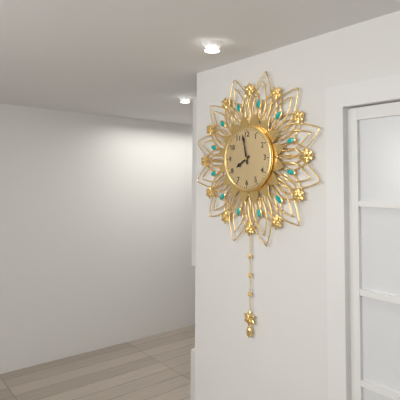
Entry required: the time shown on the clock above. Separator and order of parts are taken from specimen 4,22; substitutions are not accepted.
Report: 7,58
